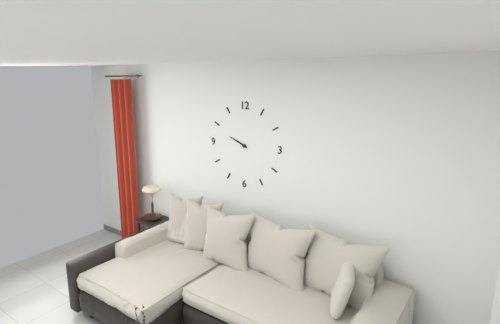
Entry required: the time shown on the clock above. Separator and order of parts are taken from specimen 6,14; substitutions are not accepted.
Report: 9,49
